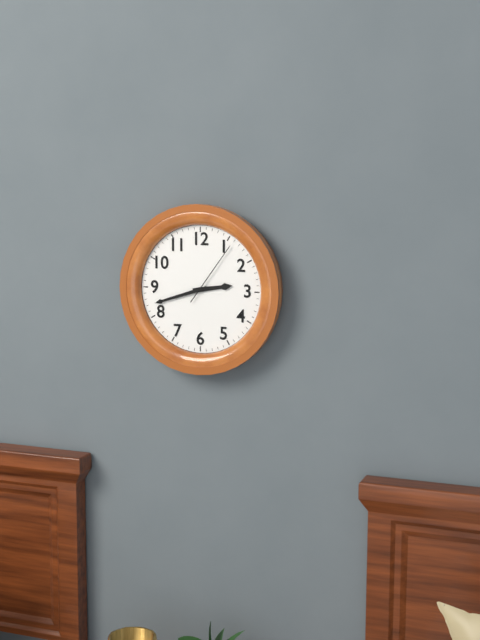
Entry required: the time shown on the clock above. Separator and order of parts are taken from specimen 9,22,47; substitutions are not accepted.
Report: 2,42,06
